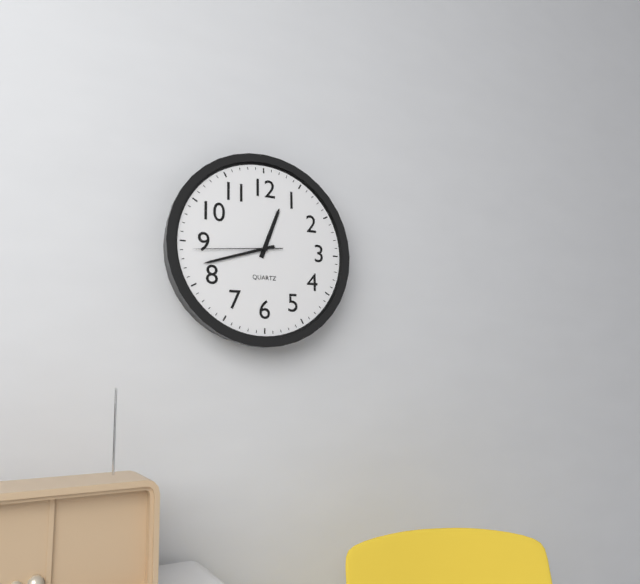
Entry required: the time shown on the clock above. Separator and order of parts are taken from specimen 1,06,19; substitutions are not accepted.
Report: 12,42,44
